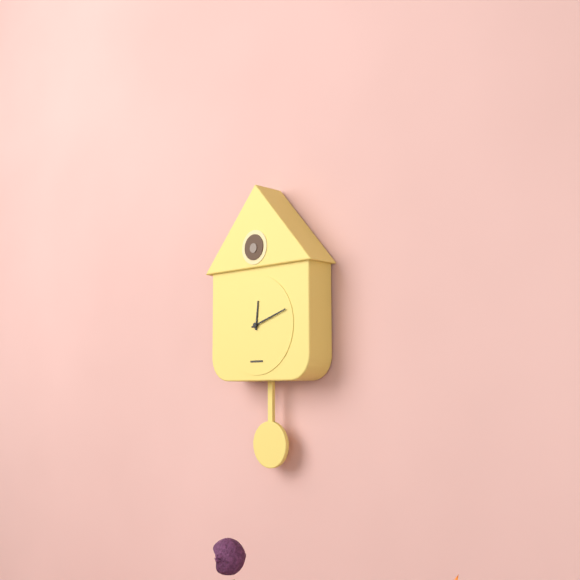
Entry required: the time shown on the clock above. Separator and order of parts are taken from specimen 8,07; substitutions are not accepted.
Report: 12,12
